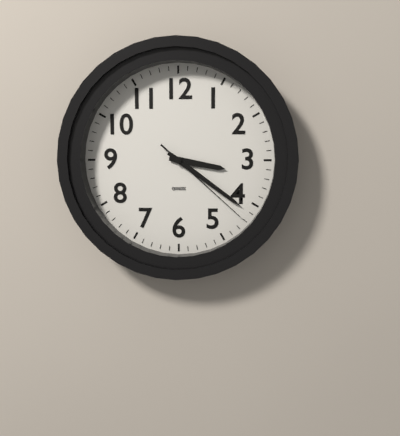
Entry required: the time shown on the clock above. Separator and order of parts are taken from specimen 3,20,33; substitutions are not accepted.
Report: 3,21,22
